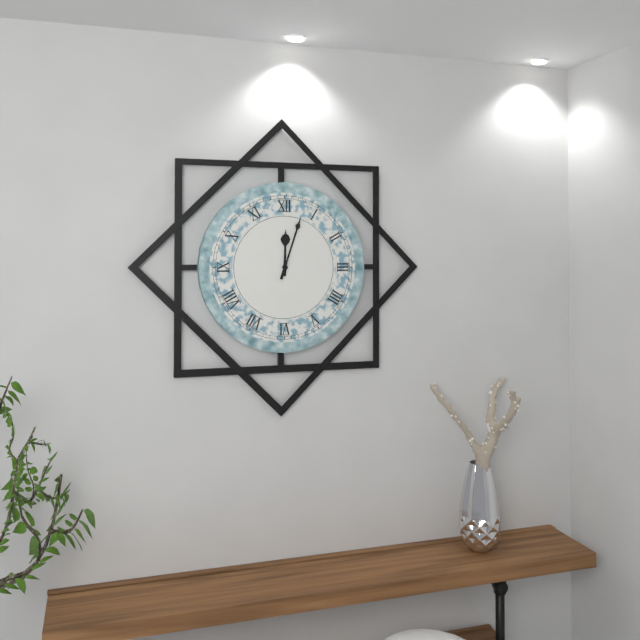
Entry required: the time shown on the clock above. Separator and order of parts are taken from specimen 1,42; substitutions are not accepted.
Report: 12,03
